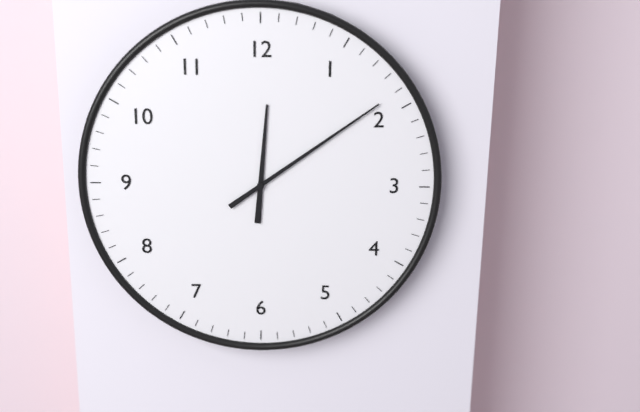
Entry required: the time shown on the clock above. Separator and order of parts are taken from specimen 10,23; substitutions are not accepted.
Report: 12,09
